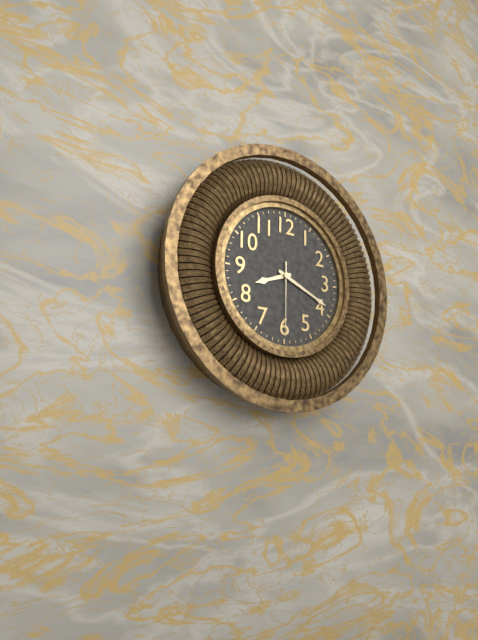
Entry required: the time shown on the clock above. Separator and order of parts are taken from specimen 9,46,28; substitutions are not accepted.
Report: 8,19,30
